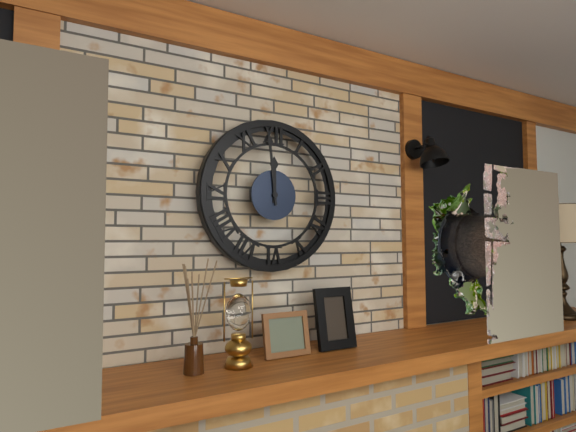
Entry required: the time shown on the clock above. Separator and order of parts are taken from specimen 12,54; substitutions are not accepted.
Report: 11,59
